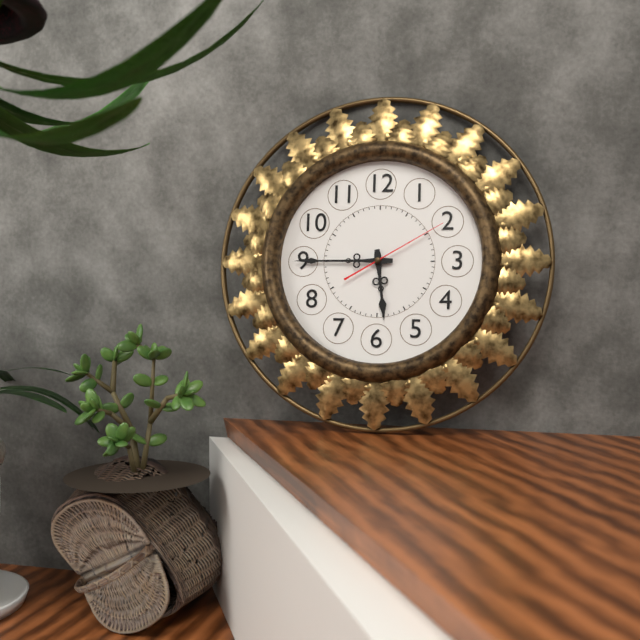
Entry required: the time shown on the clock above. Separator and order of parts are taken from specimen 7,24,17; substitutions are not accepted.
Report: 5,45,10
